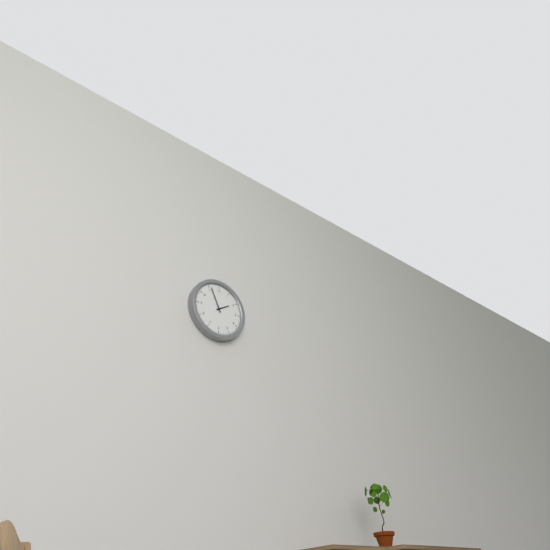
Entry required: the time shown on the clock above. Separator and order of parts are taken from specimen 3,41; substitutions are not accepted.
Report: 1,56
